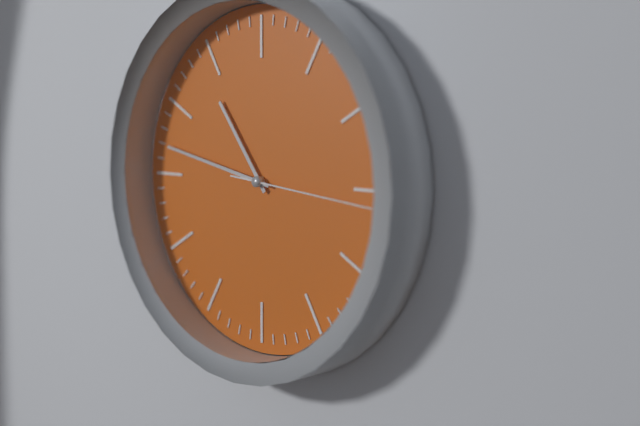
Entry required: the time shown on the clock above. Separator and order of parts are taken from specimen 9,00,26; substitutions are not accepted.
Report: 10,47,16
